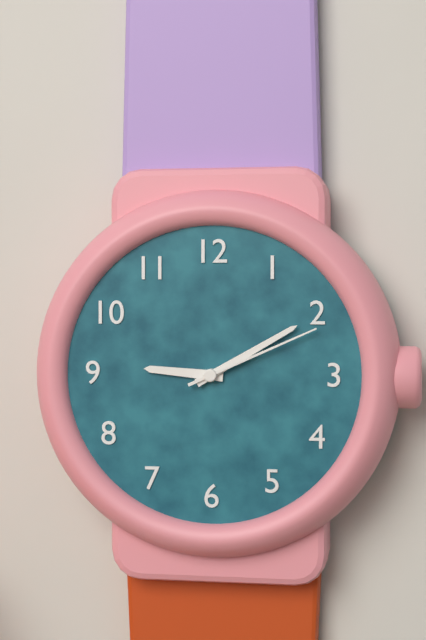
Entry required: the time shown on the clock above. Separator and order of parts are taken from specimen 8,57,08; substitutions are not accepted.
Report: 9,10,11
